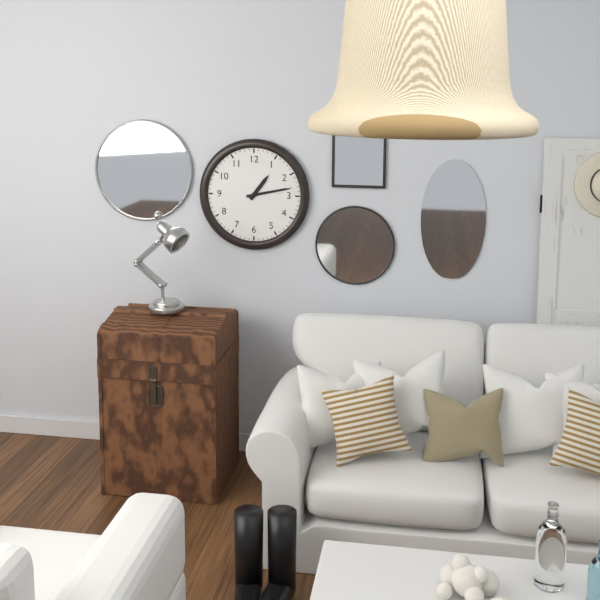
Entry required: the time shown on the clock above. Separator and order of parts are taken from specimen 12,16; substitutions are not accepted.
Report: 1,13
